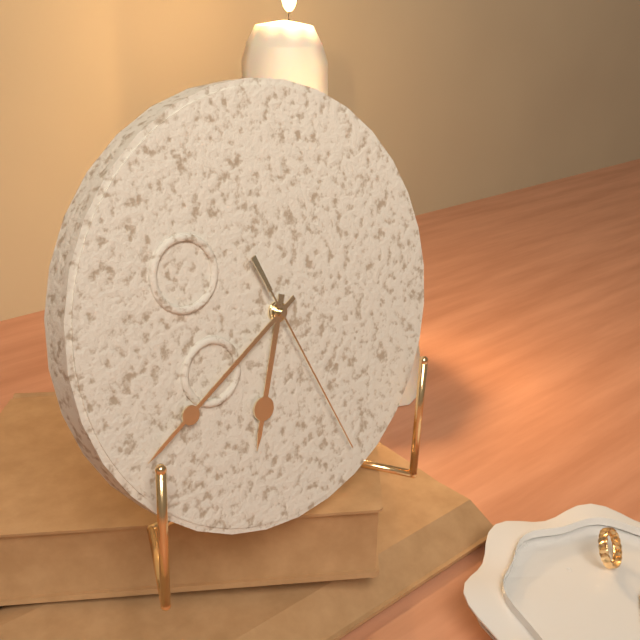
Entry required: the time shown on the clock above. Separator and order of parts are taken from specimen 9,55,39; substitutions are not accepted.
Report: 6,40,26
